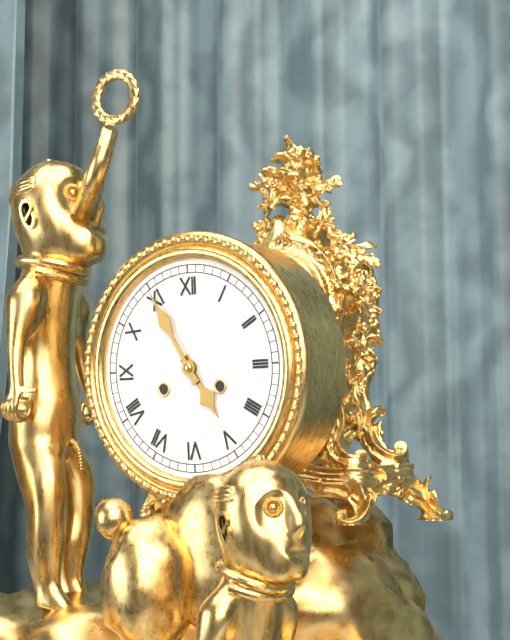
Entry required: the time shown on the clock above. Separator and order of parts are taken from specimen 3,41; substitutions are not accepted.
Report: 4,55
